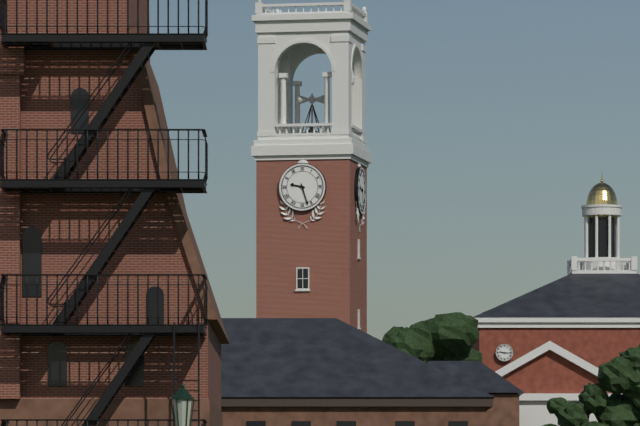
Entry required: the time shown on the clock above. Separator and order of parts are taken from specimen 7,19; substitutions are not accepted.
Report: 9,27
